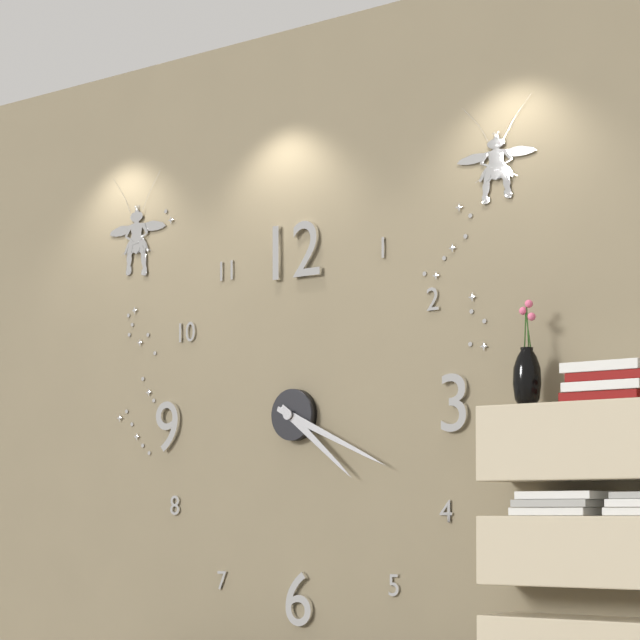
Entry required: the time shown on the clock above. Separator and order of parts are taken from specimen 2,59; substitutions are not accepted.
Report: 4,19
